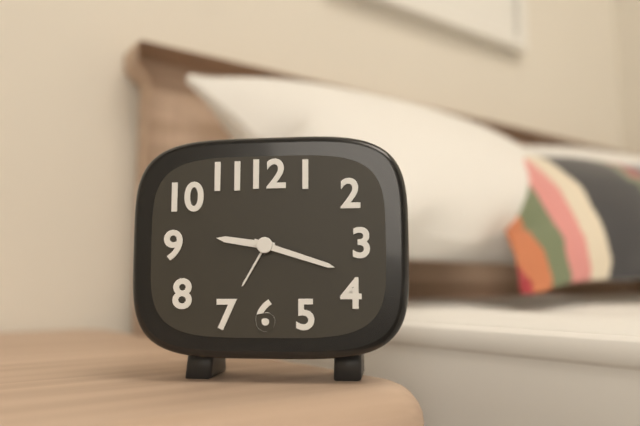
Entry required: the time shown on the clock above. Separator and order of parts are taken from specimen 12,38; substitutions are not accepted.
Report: 9,18
